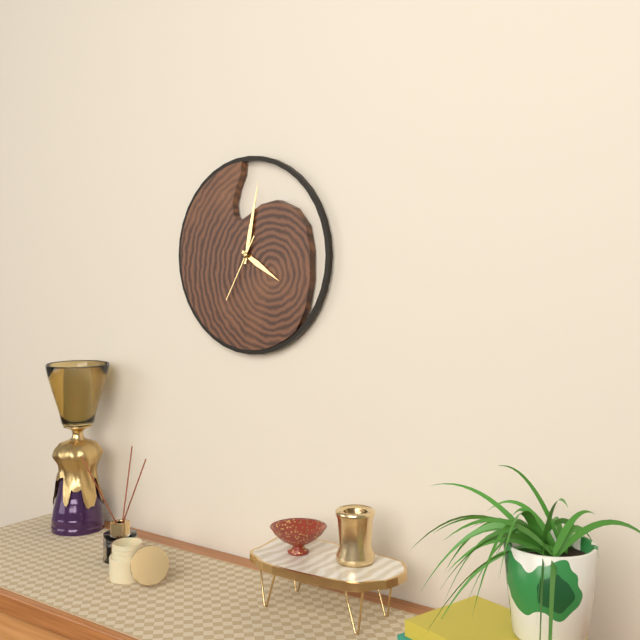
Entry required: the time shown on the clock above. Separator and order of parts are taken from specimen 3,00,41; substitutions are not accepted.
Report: 4,02,35
